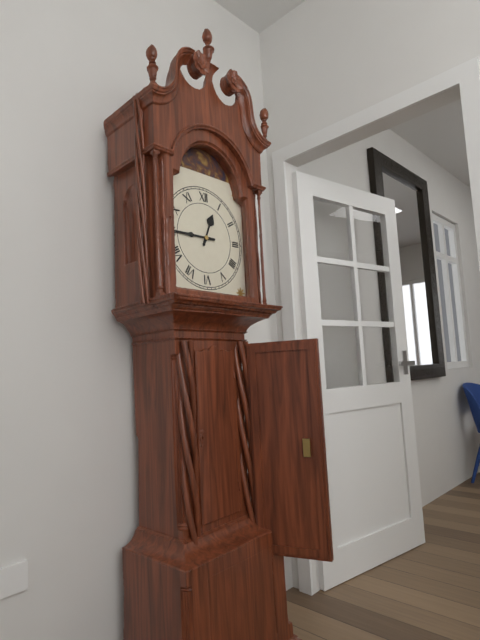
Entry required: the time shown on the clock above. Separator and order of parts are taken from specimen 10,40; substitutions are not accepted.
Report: 12,45
